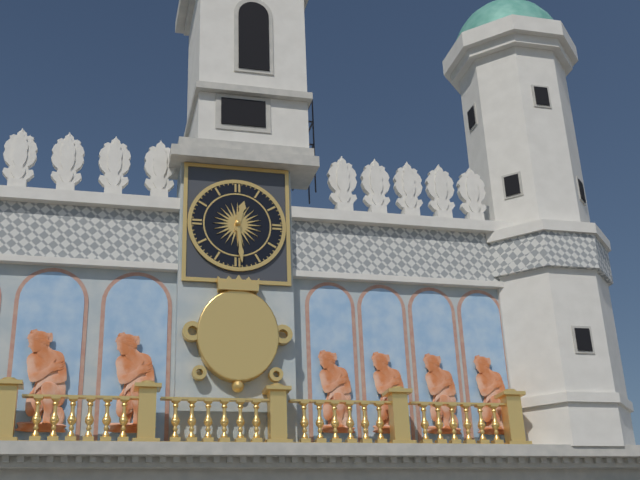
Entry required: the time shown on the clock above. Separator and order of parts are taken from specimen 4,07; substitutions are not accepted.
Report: 12,29
